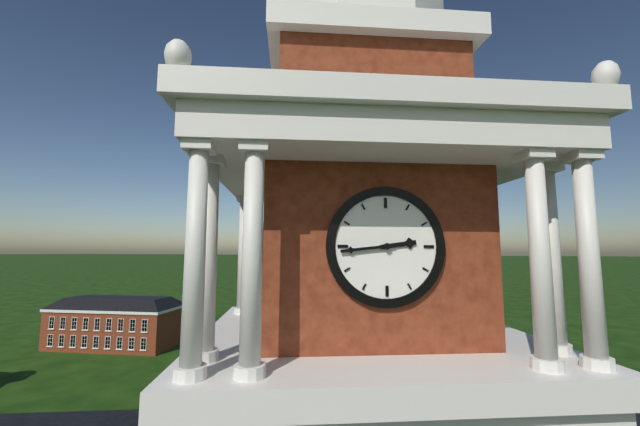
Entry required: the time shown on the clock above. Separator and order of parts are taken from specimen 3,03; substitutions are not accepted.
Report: 2,44
